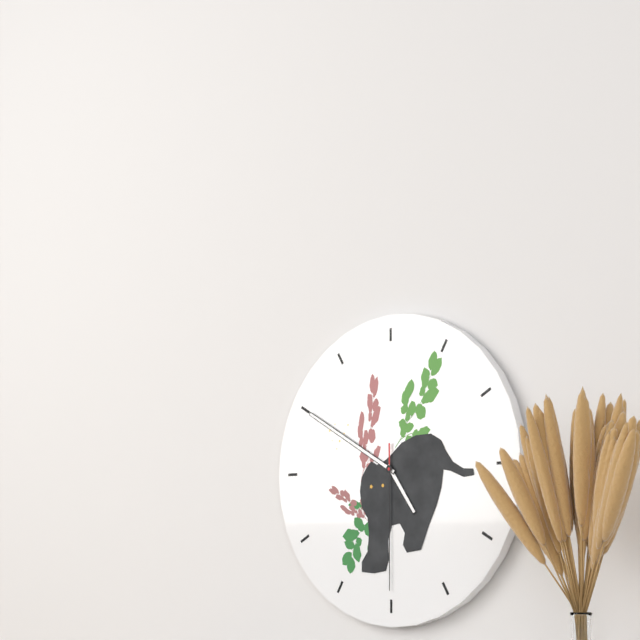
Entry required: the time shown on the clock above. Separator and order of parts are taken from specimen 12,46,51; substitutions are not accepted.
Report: 4,50,30
